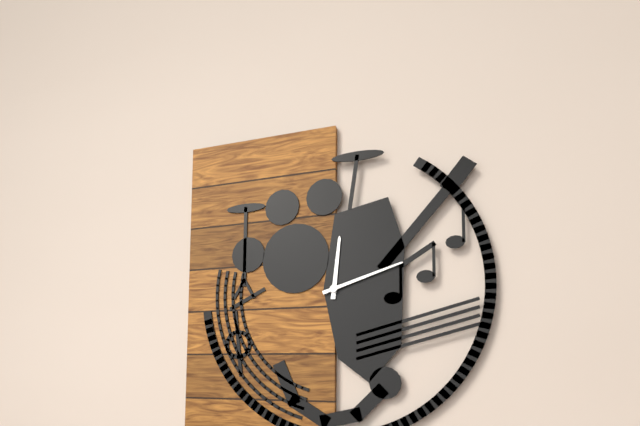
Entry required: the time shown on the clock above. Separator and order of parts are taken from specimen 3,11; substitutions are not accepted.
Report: 12,12
